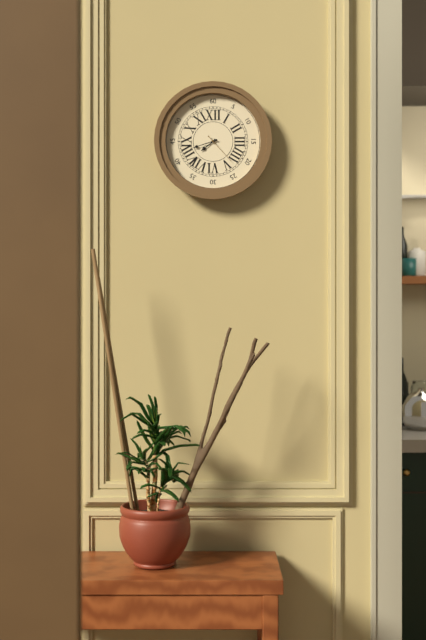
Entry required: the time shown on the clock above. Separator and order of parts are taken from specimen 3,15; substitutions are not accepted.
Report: 7,42
